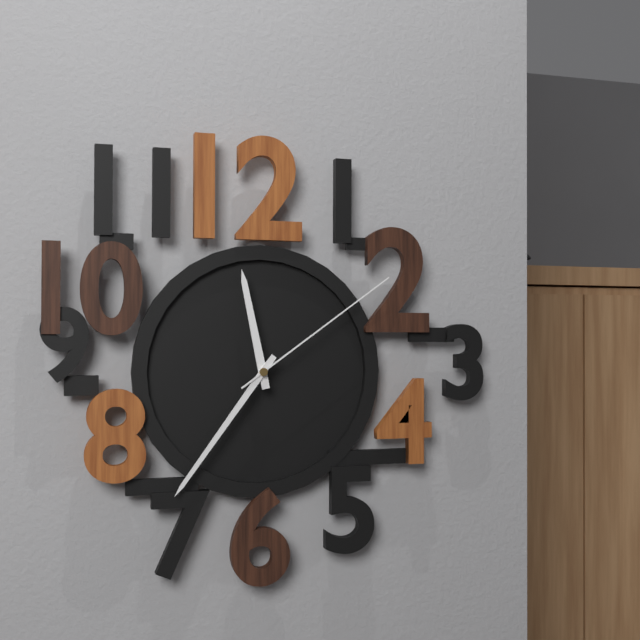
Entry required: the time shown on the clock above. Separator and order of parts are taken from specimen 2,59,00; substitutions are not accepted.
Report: 11,36,09
